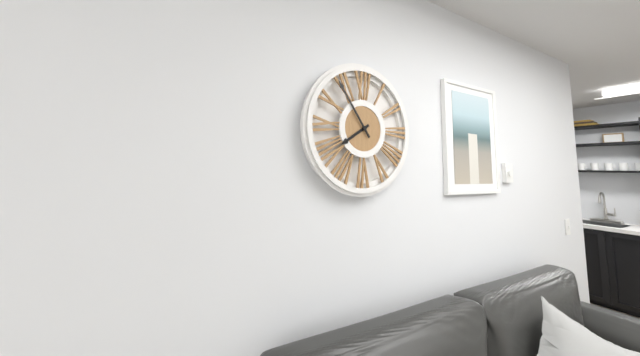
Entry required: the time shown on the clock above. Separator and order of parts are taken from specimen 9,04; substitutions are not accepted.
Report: 7,54
